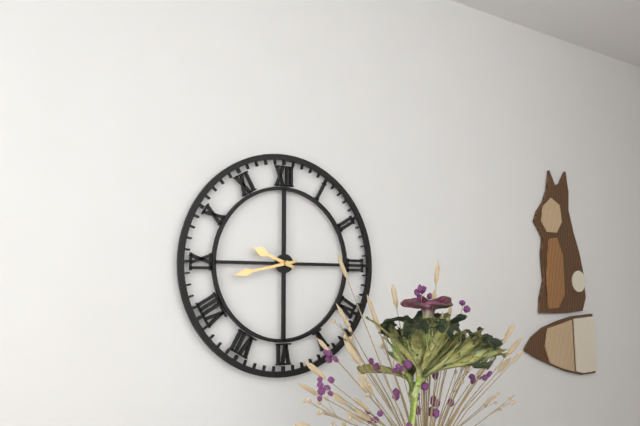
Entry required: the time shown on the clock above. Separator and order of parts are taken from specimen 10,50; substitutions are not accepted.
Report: 9,43
